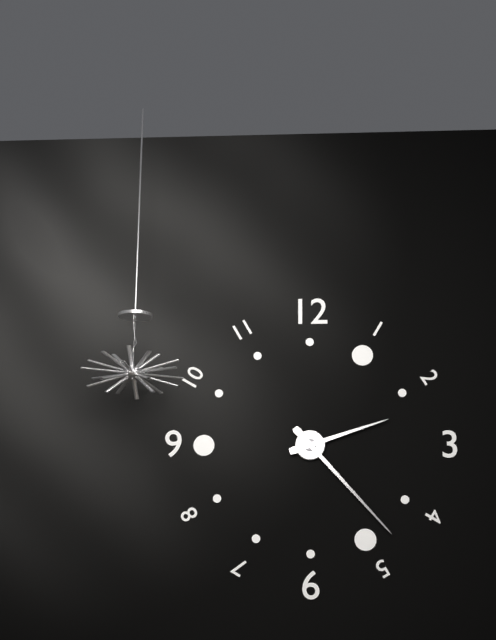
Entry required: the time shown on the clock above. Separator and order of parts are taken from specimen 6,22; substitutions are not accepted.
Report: 2,23
